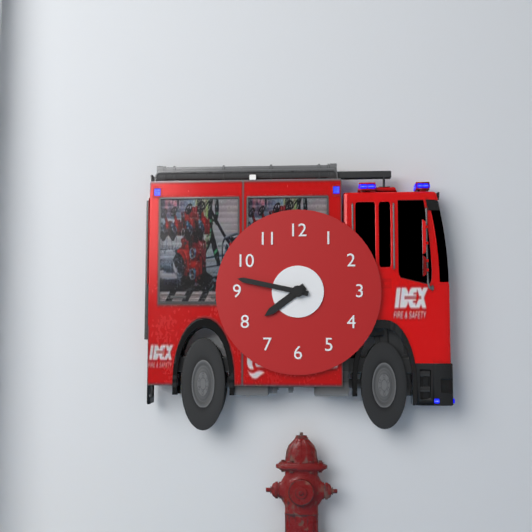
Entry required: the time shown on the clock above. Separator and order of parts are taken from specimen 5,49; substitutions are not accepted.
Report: 7,47
